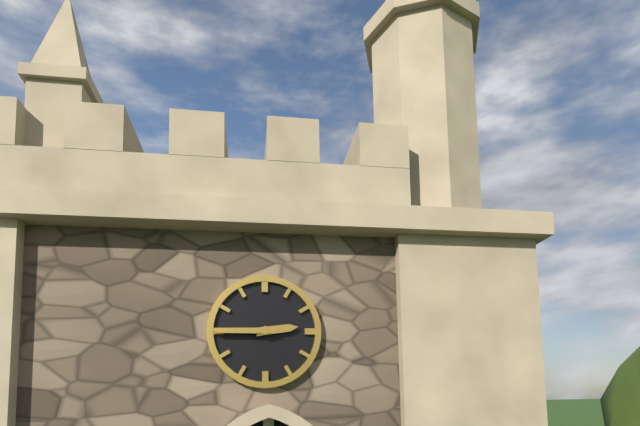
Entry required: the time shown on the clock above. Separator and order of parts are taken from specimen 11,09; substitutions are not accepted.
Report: 2,45
